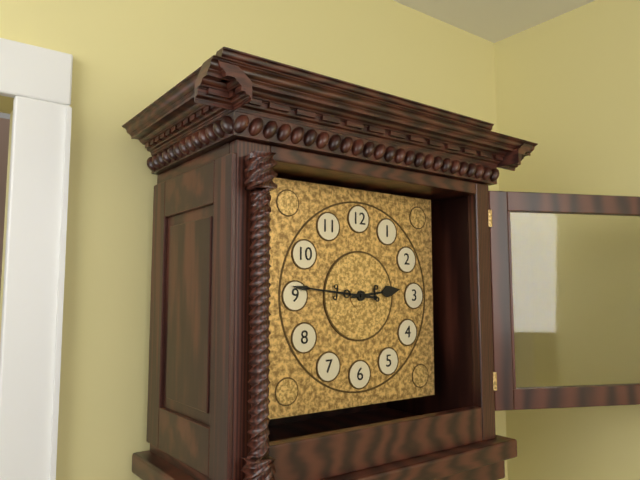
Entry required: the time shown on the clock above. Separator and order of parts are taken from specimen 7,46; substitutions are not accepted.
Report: 2,46
